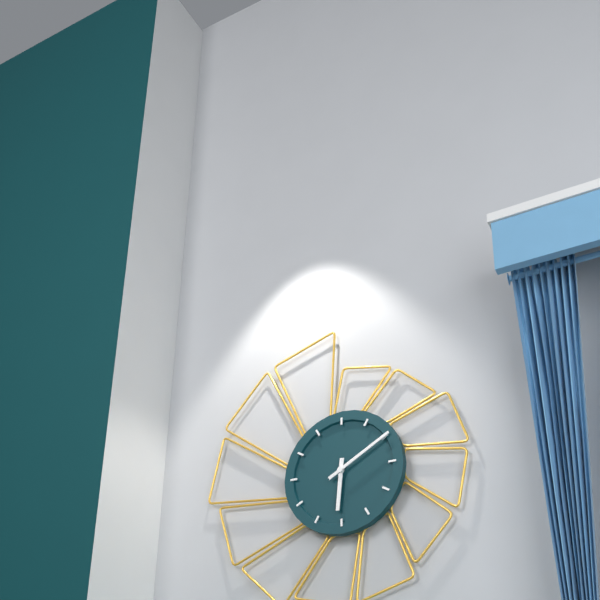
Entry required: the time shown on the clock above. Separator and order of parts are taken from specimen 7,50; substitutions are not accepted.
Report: 6,10
